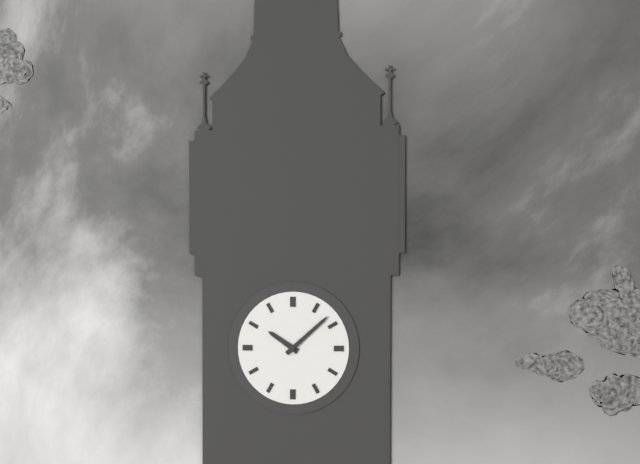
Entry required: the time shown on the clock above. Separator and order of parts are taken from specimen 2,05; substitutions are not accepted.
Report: 10,08
